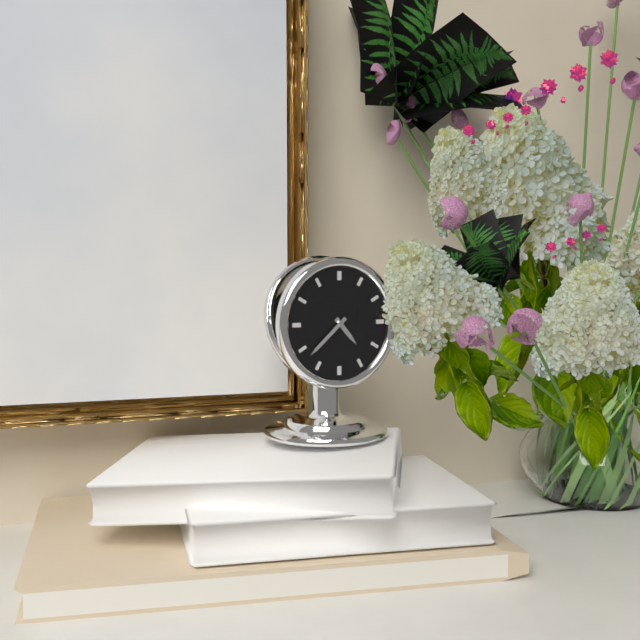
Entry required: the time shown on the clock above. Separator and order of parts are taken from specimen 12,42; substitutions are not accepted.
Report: 4,38
